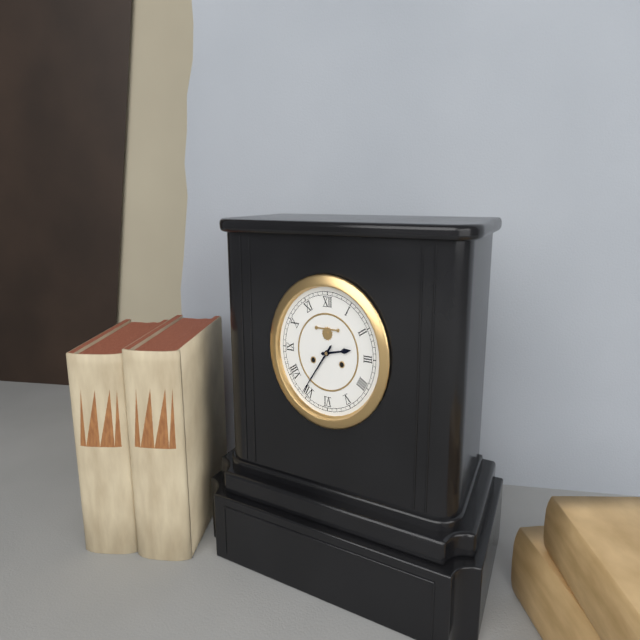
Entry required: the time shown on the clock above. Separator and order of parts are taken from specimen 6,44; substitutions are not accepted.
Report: 2,36
